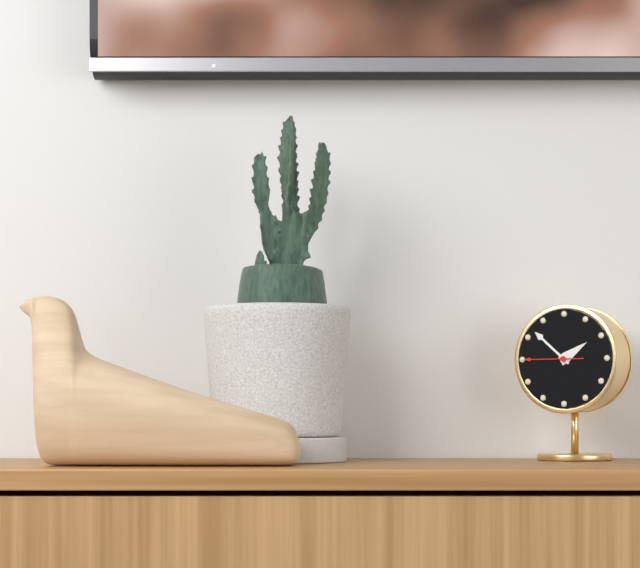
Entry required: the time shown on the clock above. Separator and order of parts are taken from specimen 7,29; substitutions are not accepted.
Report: 1,52
